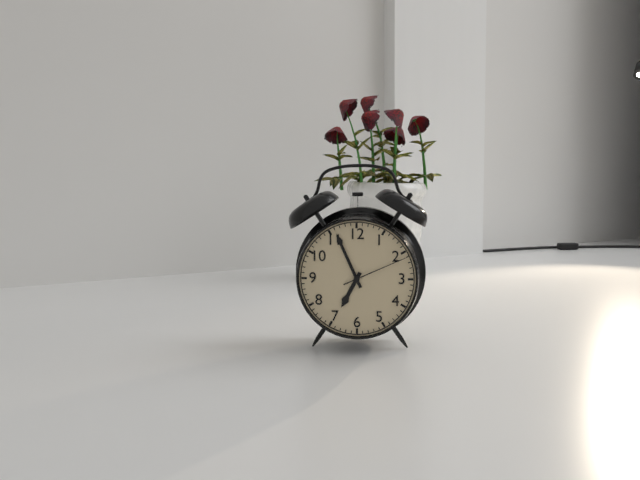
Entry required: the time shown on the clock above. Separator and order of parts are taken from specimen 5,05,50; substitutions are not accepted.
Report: 6,56,11
